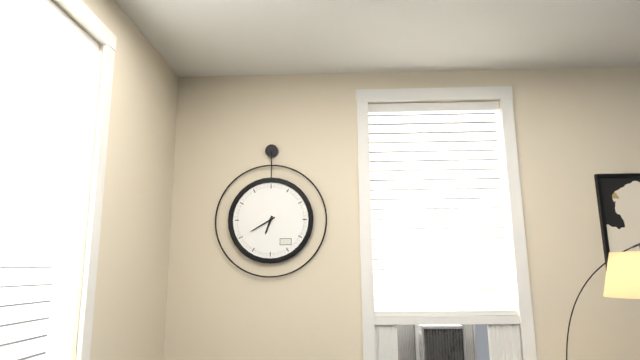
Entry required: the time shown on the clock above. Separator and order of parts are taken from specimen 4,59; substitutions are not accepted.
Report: 6,40
